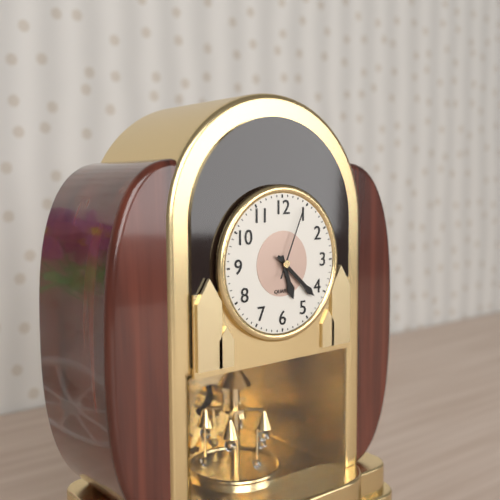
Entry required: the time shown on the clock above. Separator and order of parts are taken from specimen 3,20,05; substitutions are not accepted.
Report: 5,22,04
